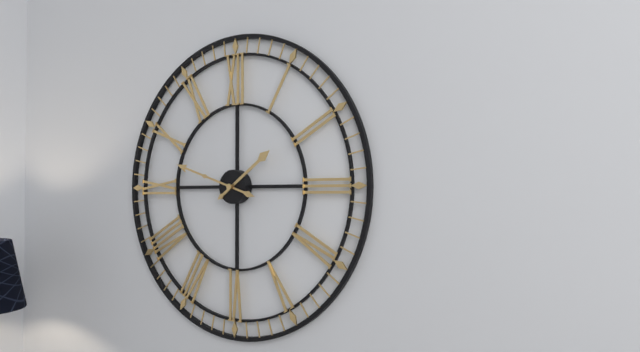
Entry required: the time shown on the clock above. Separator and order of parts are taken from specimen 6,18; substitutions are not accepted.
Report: 1,48
